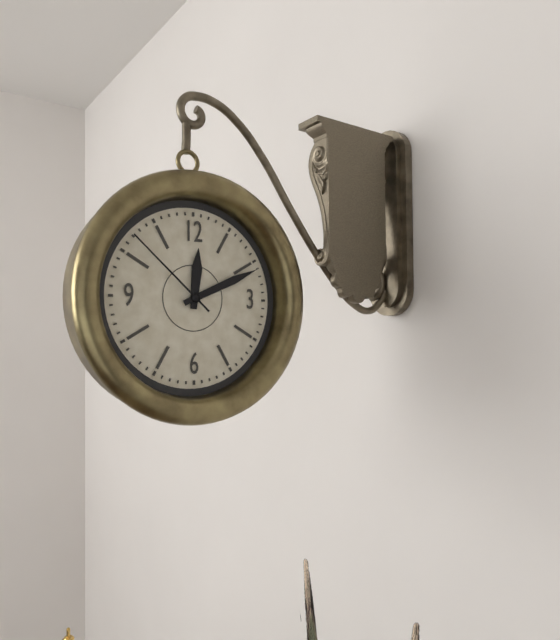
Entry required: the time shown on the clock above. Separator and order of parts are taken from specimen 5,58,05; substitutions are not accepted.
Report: 12,11,52
